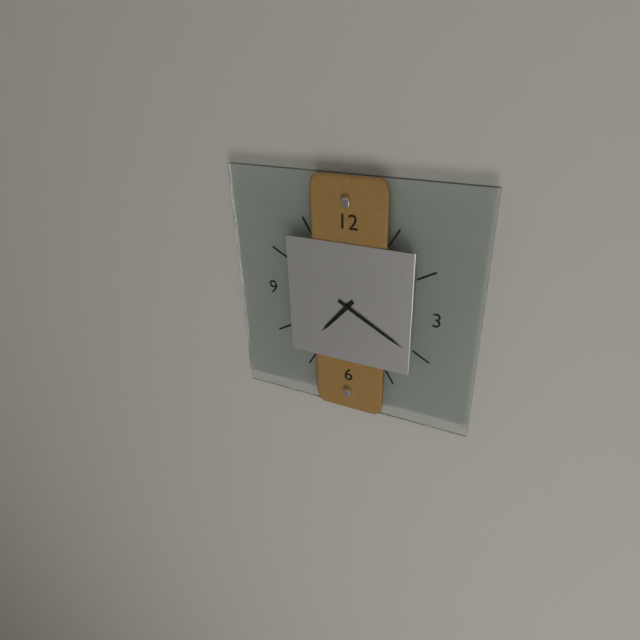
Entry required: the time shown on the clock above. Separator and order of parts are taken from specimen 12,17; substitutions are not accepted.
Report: 7,20
